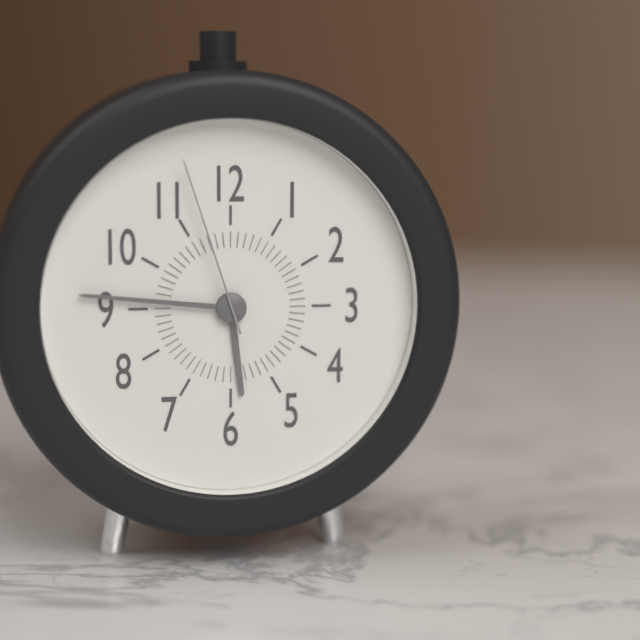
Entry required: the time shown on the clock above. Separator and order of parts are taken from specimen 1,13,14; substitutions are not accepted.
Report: 5,46,57
